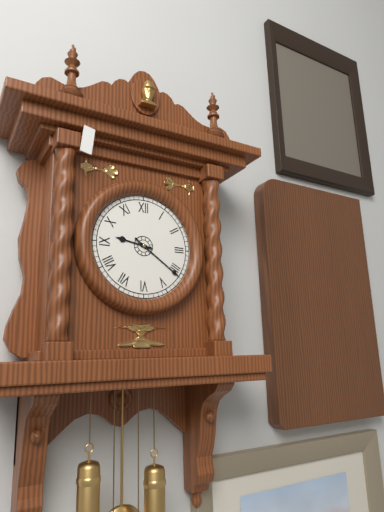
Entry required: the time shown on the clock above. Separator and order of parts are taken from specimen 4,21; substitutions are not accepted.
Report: 9,21
